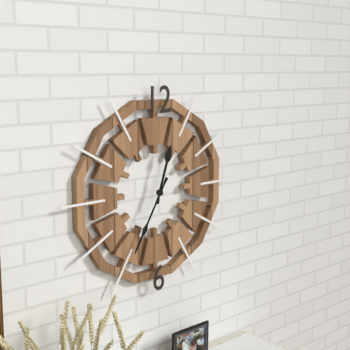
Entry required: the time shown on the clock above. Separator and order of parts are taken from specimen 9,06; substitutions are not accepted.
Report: 12,35
